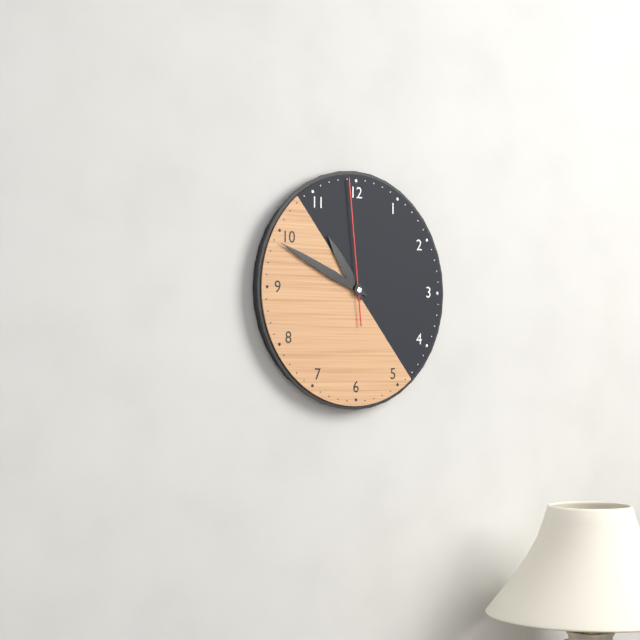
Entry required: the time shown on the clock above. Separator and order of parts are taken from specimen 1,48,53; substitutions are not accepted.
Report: 10,49,59
